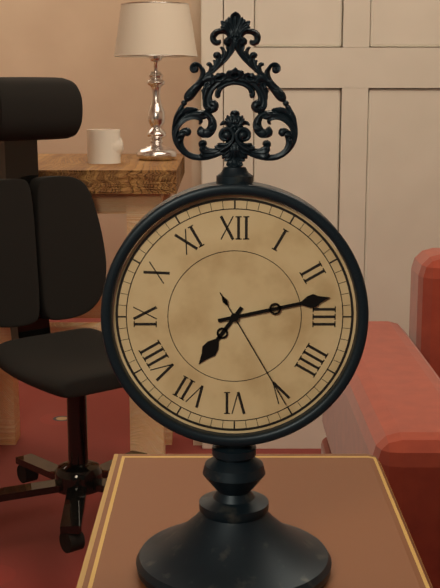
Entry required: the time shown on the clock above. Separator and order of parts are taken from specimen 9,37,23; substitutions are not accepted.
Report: 7,13,25
